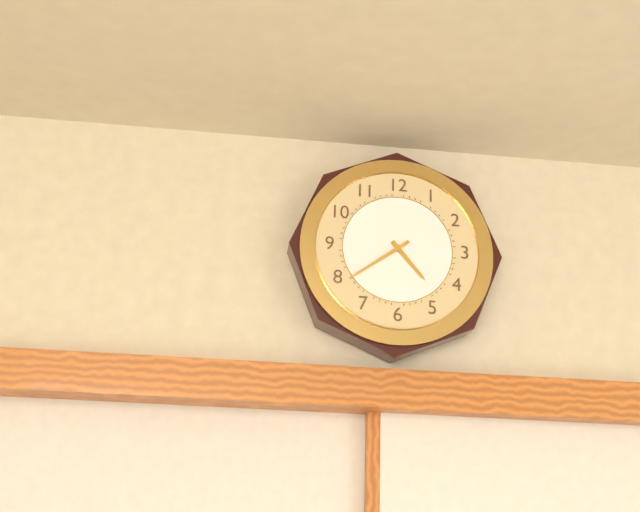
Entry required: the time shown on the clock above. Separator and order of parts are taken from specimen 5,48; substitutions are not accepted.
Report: 4,39
